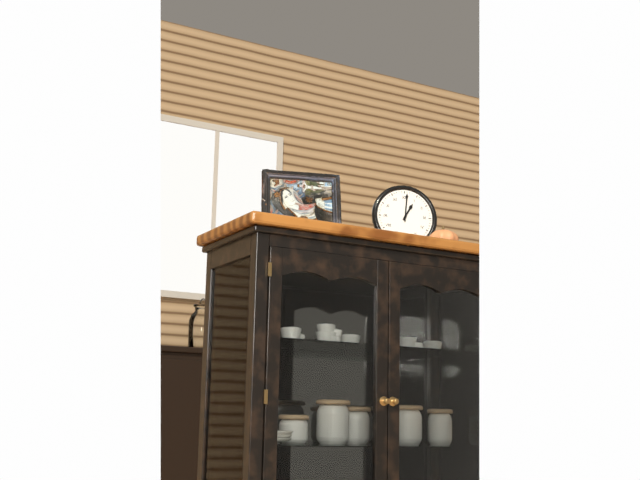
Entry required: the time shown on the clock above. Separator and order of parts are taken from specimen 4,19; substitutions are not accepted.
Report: 1,01
